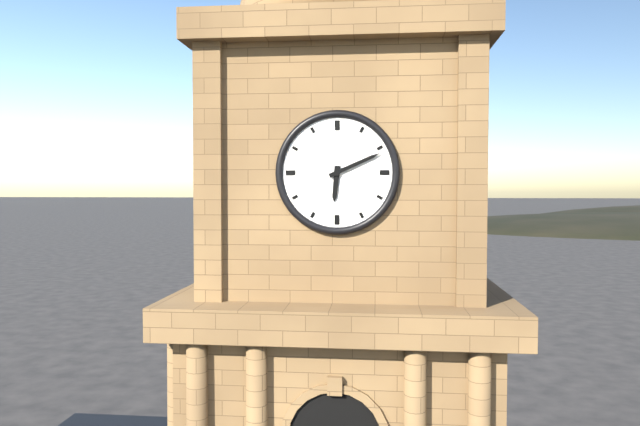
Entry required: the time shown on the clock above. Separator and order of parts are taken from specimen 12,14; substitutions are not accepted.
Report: 6,11
